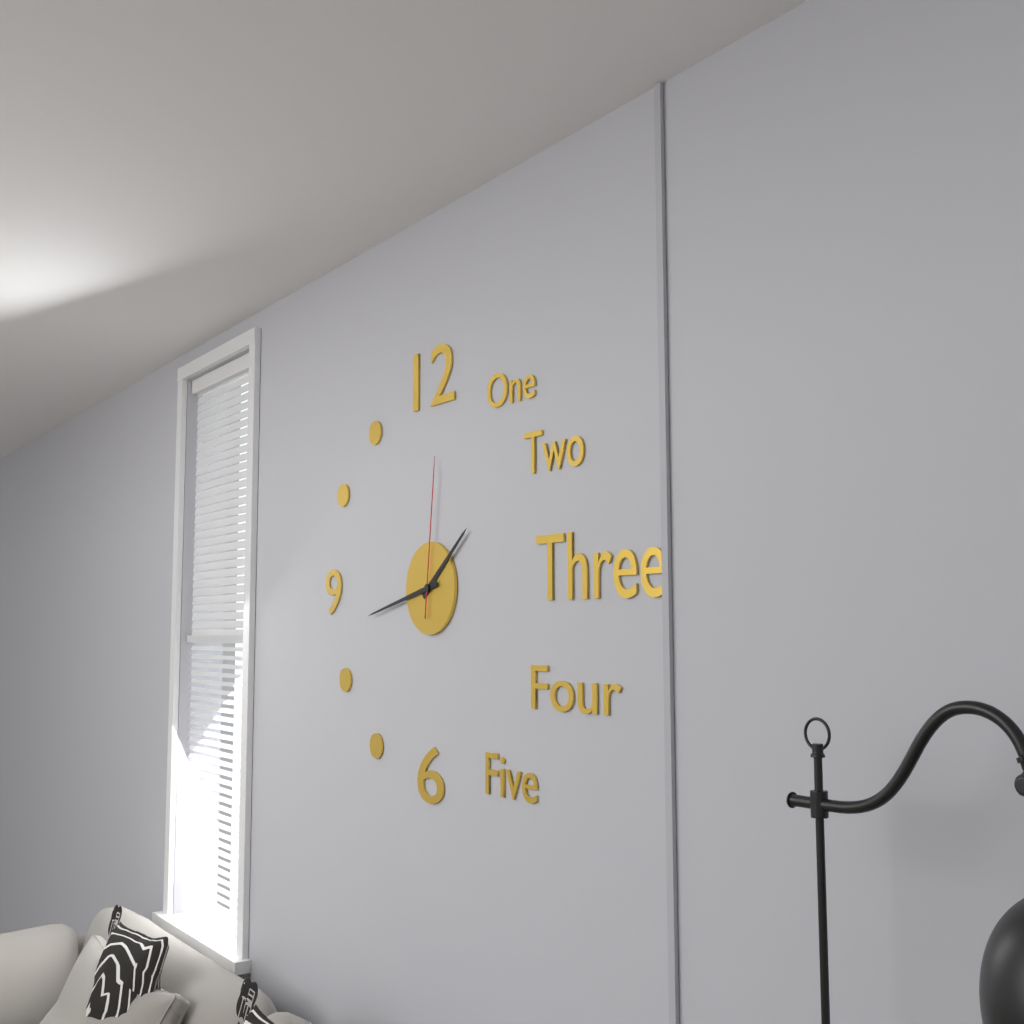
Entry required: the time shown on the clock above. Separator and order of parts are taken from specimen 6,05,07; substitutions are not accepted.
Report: 1,43,01
